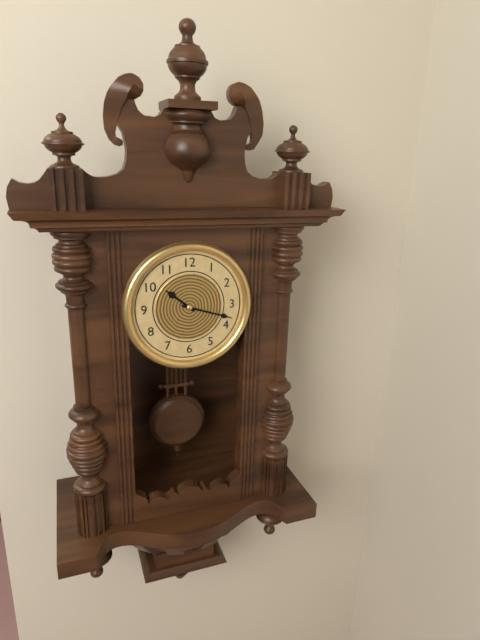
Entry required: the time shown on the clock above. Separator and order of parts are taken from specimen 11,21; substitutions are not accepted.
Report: 10,18
